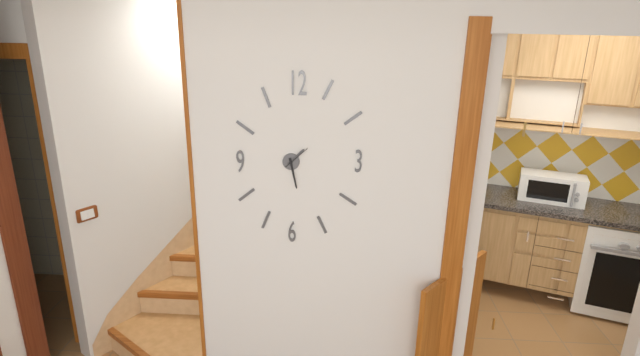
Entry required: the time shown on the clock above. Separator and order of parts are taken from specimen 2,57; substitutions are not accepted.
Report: 1,28
